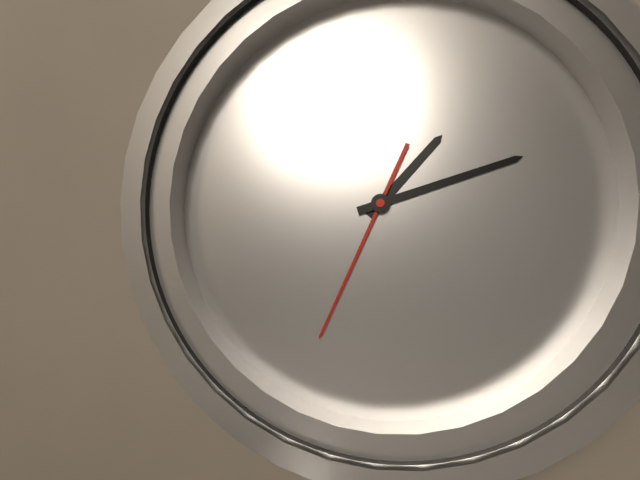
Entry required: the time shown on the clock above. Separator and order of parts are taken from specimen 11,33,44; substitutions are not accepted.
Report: 1,11,33
